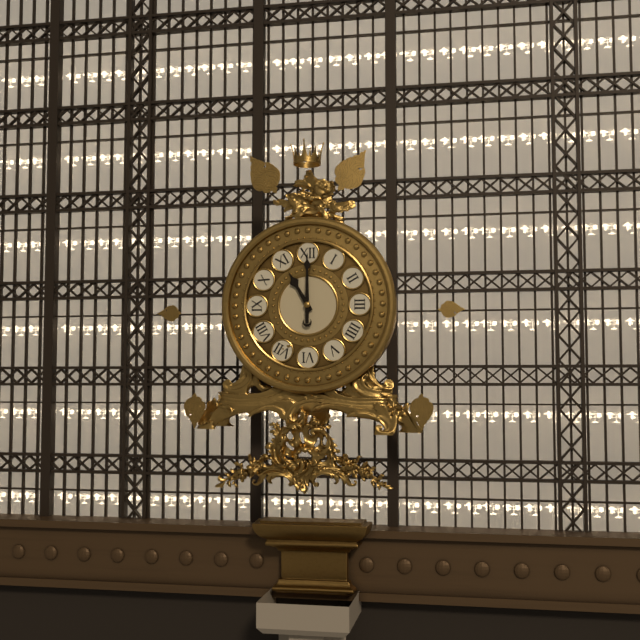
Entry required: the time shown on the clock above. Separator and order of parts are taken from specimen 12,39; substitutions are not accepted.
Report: 11,00
